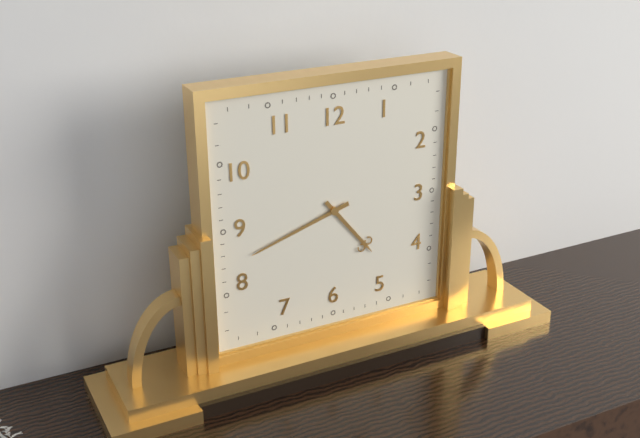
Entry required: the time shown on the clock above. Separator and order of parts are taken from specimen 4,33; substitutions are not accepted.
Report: 4,42
